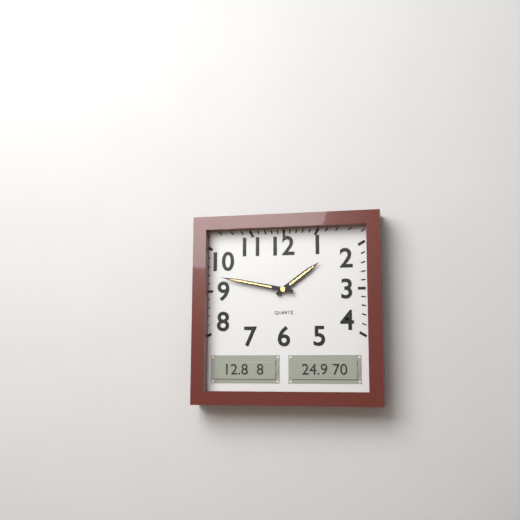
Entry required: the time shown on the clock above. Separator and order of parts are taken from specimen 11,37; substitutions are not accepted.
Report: 1,47
